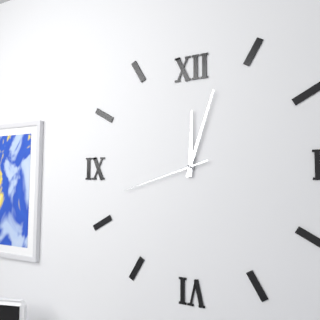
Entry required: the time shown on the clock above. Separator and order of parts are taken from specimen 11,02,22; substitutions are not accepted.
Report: 12,03,42
